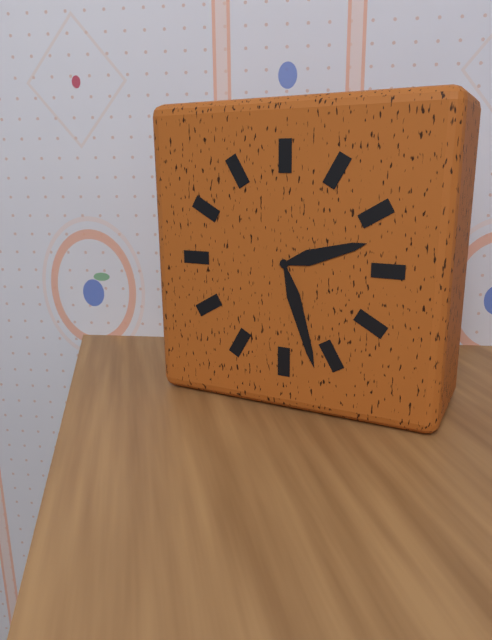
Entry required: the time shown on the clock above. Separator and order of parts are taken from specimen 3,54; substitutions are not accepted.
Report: 2,27
